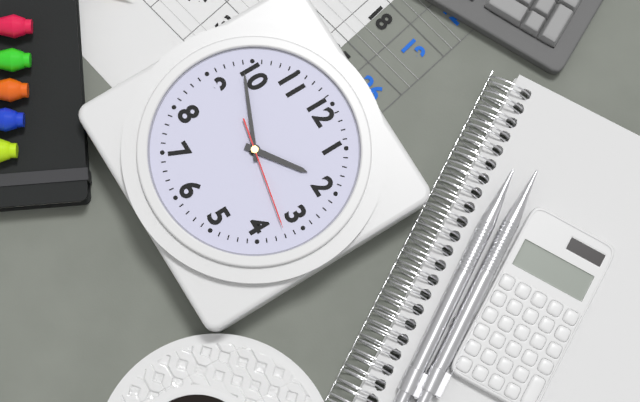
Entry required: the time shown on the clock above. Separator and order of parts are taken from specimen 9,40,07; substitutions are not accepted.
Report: 1,49,17
